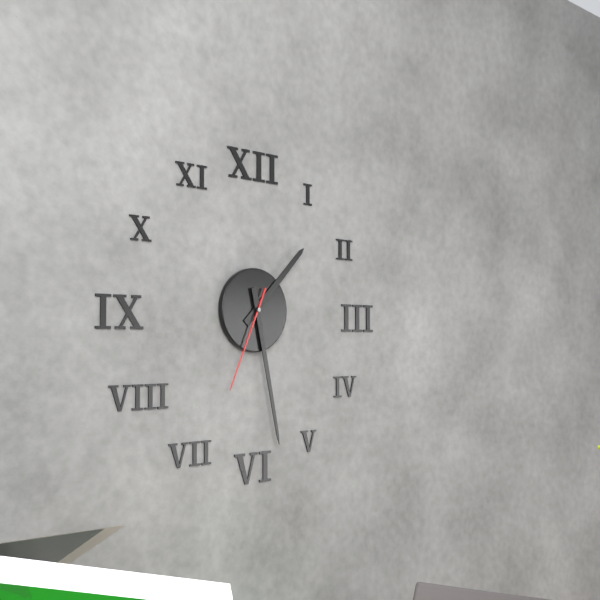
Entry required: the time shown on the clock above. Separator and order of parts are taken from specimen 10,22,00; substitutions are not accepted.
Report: 1,28,34
